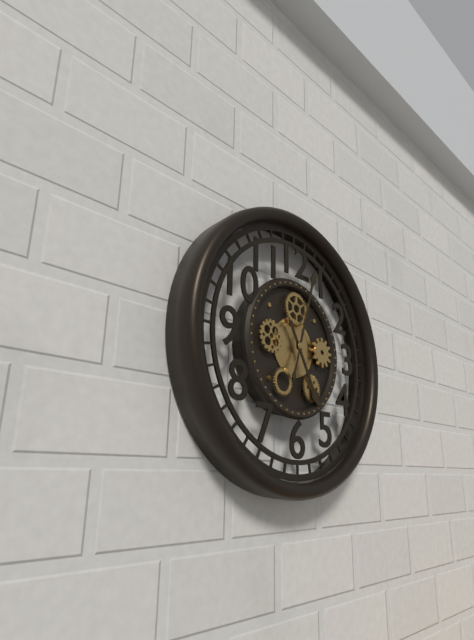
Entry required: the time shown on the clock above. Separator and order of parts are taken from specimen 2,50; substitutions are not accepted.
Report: 5,03
